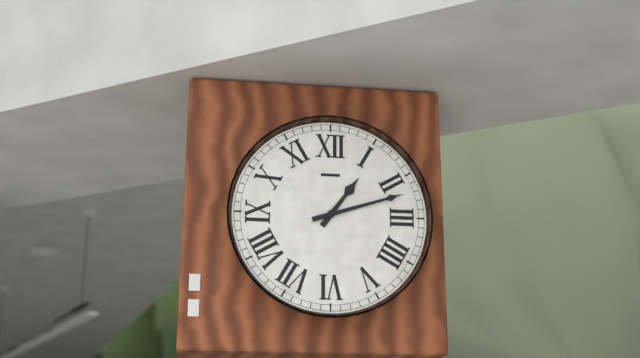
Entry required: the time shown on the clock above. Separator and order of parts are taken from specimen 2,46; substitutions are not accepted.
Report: 1,12
